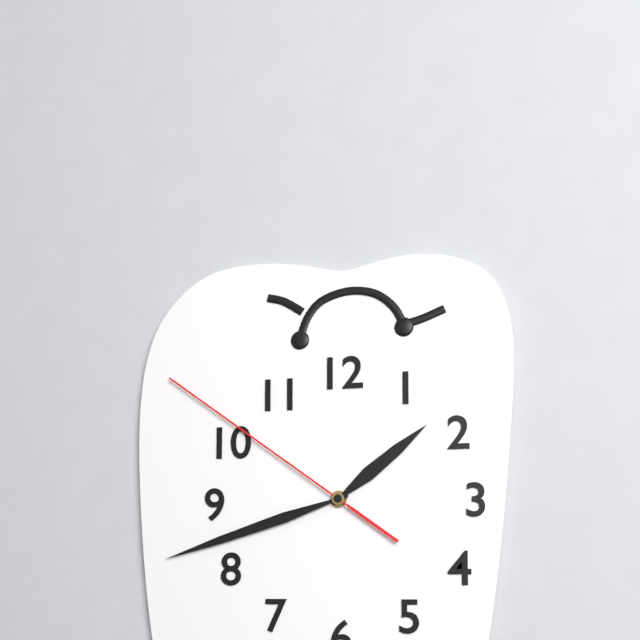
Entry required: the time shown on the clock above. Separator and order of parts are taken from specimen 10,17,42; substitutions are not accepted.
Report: 1,42,51
